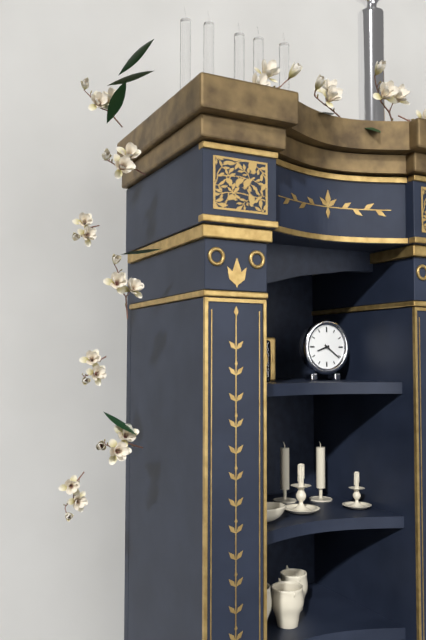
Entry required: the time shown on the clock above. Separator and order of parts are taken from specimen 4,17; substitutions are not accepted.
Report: 8,21
